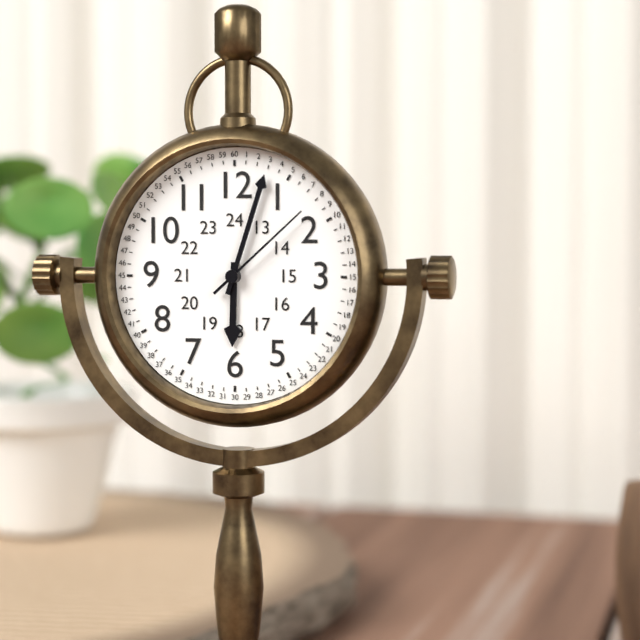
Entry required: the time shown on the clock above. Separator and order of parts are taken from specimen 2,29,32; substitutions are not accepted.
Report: 6,03,08
